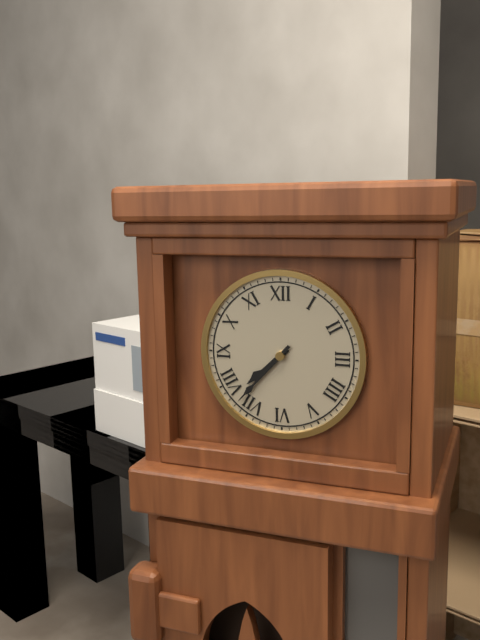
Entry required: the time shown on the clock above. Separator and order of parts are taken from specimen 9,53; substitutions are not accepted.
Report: 7,37
